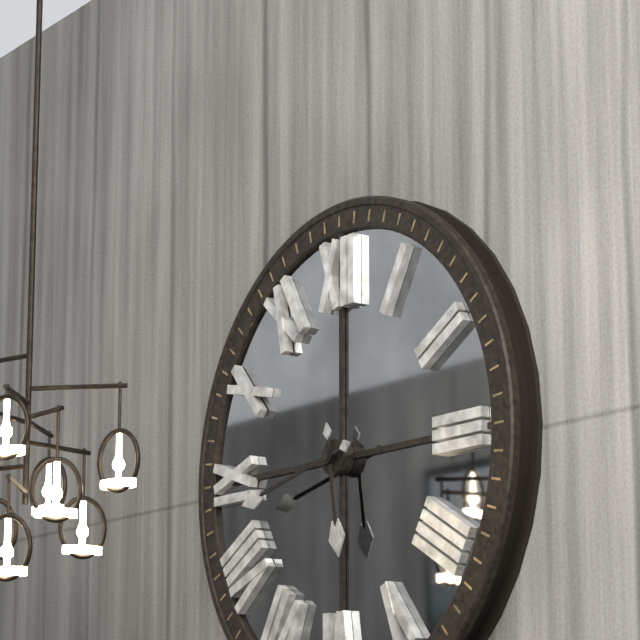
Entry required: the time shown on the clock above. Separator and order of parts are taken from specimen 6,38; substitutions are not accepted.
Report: 5,43
